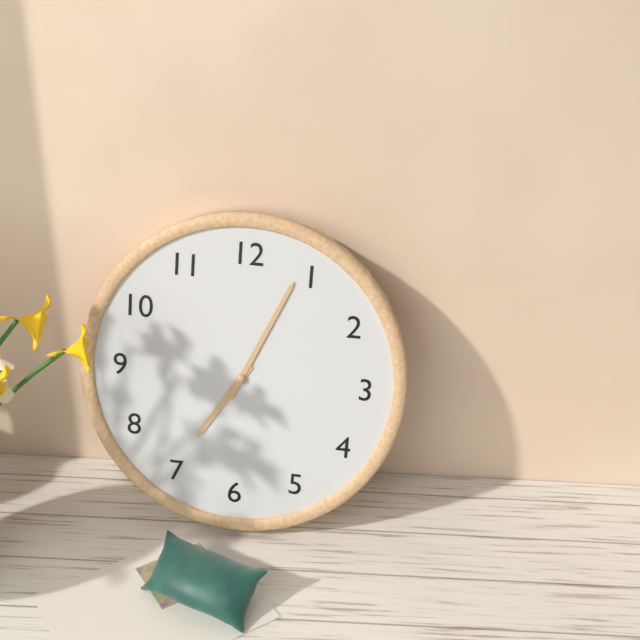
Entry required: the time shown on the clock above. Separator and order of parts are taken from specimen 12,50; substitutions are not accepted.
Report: 7,04
